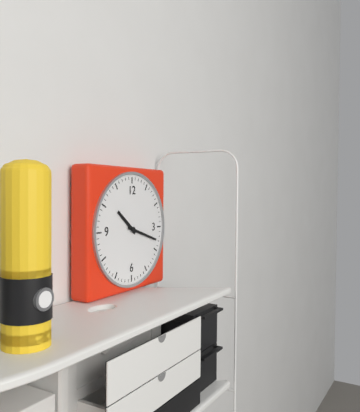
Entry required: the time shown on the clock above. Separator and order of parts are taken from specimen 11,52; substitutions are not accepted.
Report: 10,18
